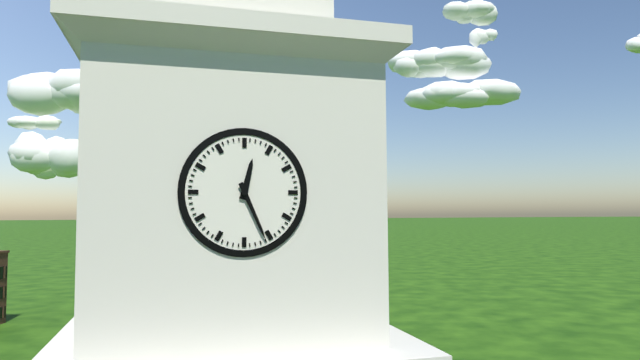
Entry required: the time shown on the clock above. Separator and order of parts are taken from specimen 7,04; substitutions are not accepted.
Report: 12,26
